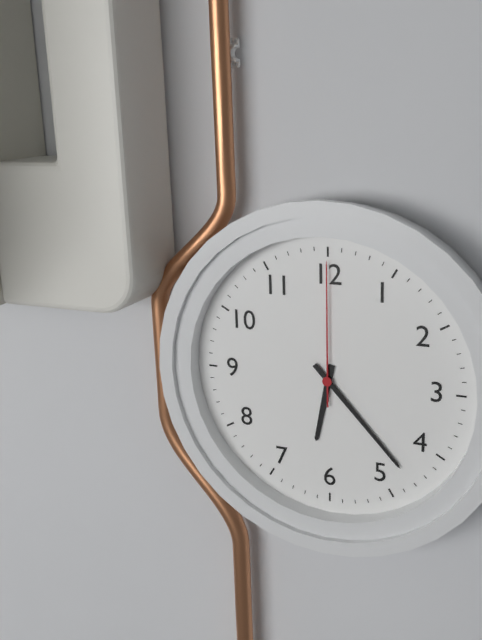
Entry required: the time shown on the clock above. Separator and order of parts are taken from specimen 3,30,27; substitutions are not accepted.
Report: 6,23,00
